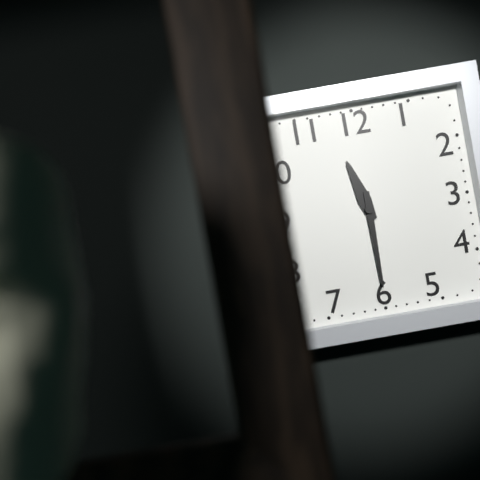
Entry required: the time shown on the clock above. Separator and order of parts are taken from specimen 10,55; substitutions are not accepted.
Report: 11,30
